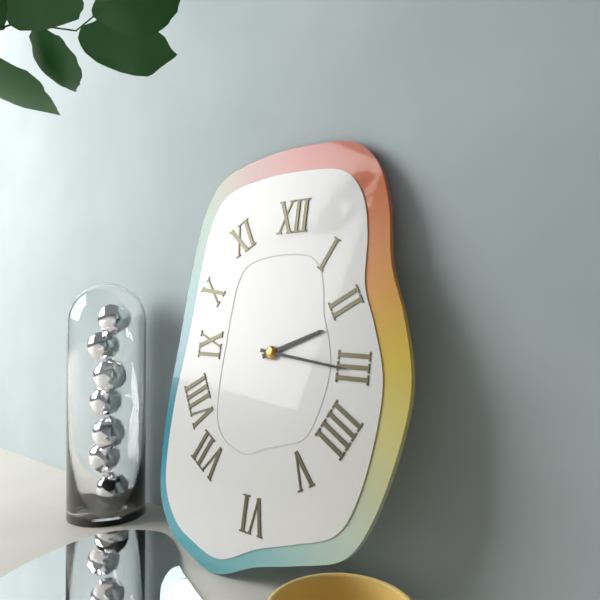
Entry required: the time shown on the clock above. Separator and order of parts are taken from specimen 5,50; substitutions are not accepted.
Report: 2,16
